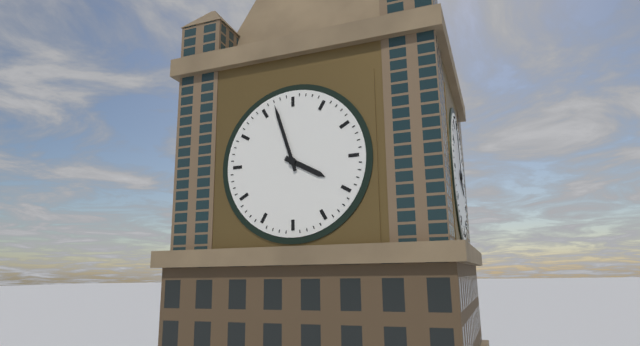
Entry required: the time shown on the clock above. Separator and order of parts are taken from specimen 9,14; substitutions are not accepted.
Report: 3,57
